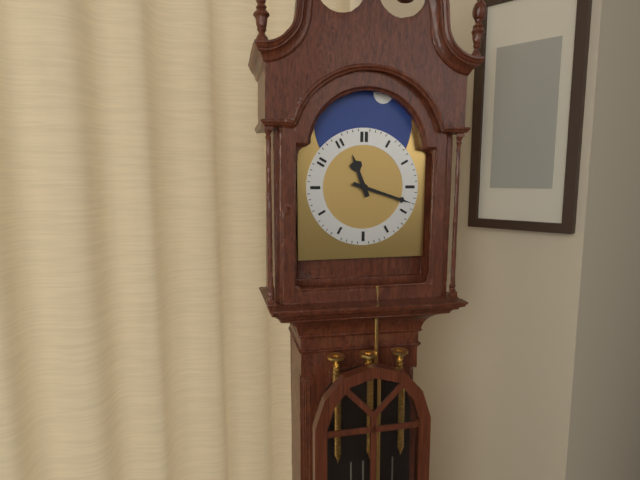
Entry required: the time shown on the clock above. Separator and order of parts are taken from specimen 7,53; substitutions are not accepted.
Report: 11,18
